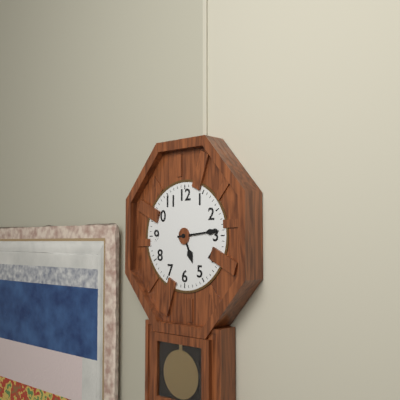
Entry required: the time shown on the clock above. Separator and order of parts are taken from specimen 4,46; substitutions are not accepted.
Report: 5,14
